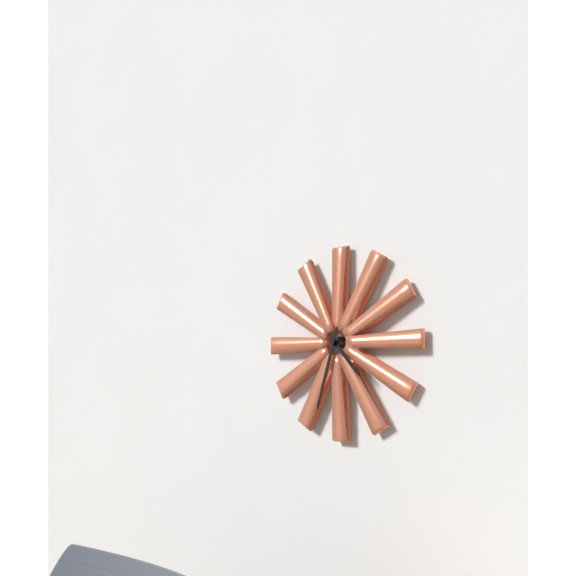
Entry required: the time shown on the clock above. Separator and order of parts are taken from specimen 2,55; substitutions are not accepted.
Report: 4,33
